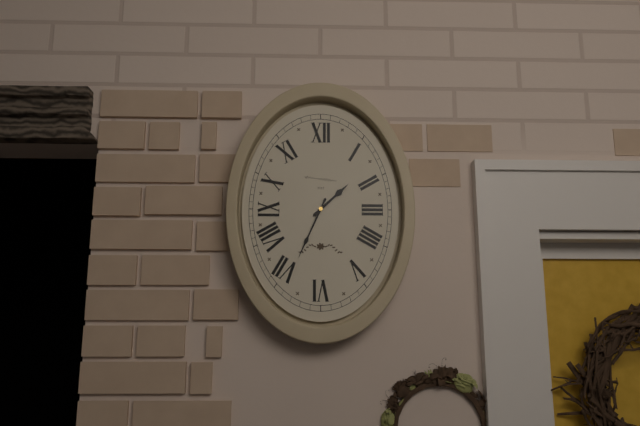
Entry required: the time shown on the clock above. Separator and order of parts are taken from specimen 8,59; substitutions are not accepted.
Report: 1,34
